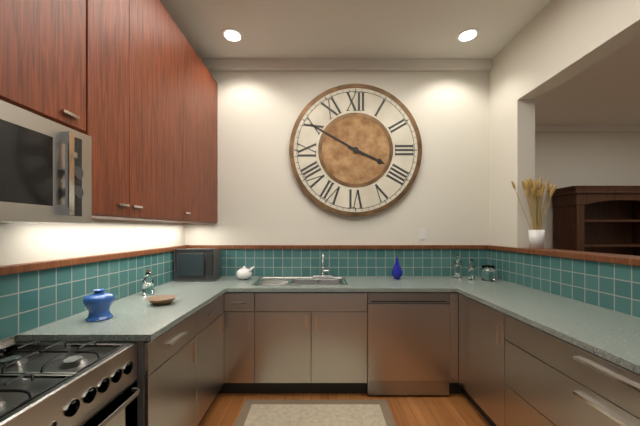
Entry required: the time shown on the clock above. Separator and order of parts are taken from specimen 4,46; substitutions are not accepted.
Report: 3,50
